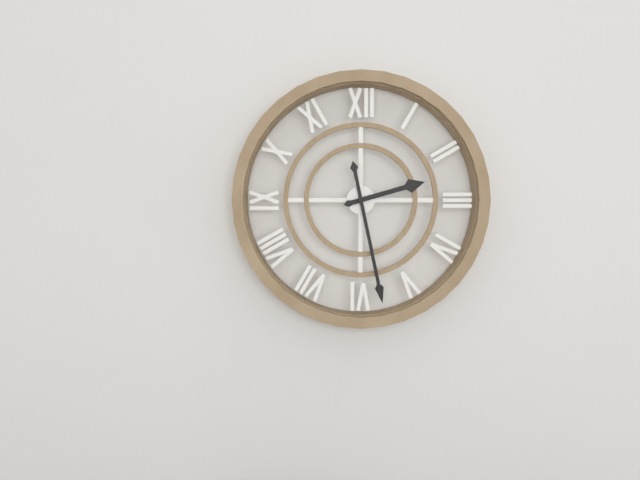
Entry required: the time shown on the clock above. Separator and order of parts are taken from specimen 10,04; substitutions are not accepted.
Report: 2,28
